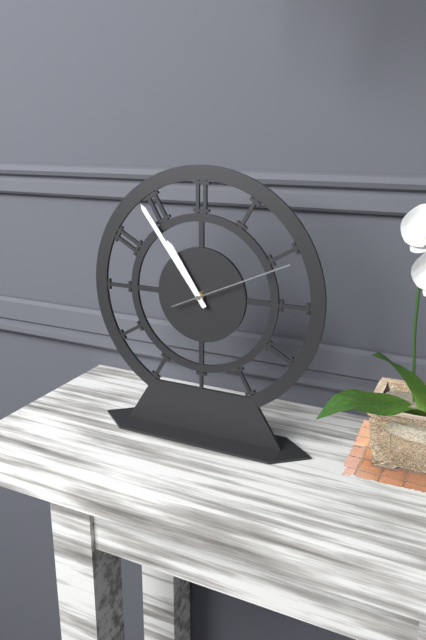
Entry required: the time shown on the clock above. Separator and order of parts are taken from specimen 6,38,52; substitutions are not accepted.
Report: 10,54,11
